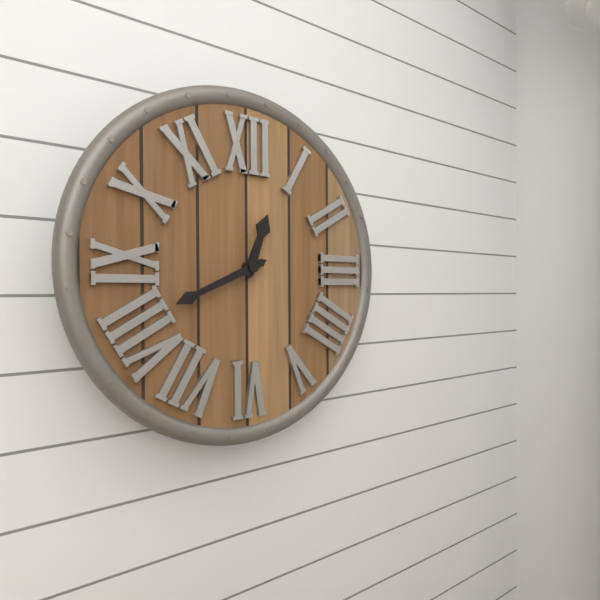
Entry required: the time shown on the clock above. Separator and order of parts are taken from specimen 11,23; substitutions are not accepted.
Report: 12,41
